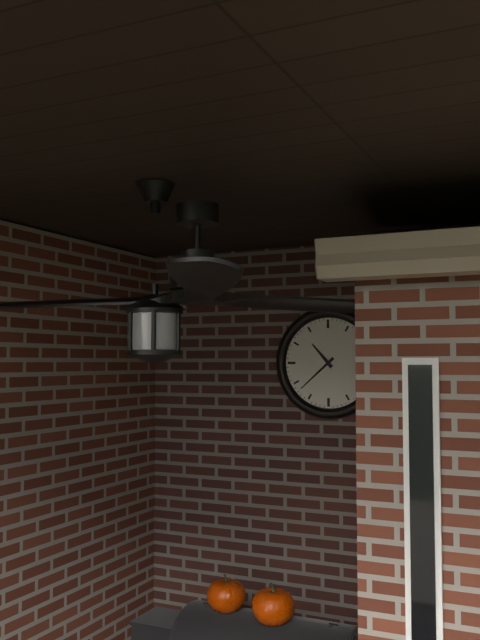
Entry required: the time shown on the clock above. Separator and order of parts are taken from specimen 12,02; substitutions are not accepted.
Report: 10,38
